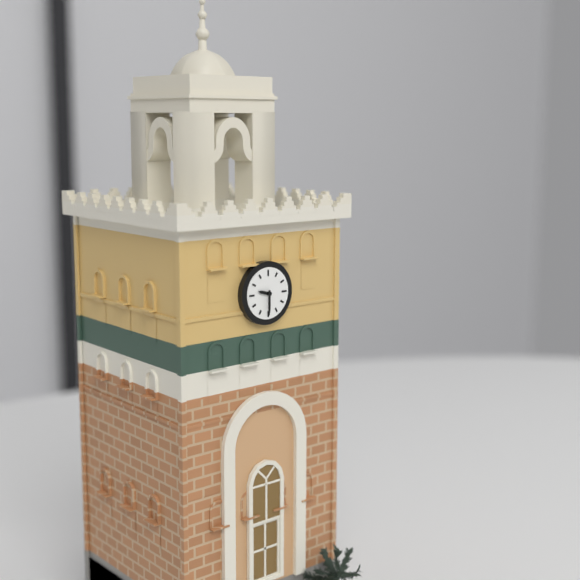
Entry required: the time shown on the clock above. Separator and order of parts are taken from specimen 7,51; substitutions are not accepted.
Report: 9,30
